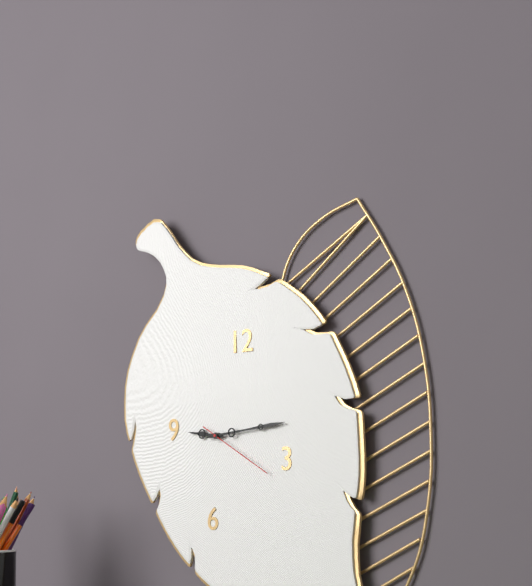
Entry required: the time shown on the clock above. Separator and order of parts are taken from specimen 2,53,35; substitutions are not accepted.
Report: 9,14,20
